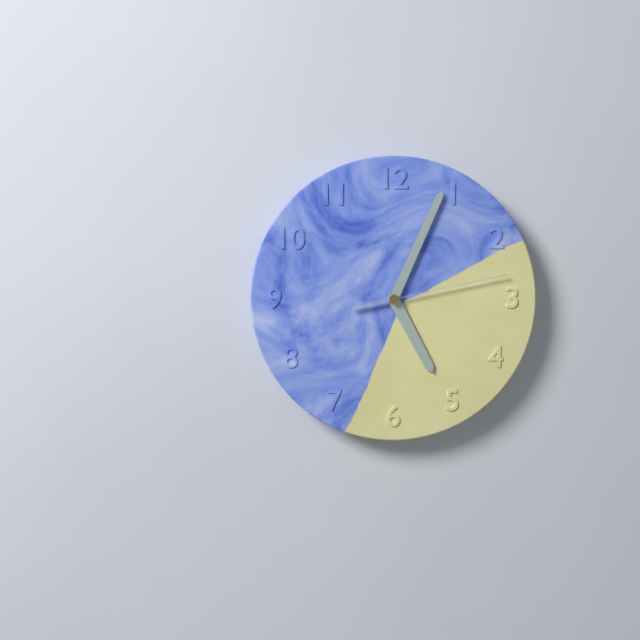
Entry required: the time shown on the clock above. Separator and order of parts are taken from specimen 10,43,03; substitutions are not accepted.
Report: 5,04,13
